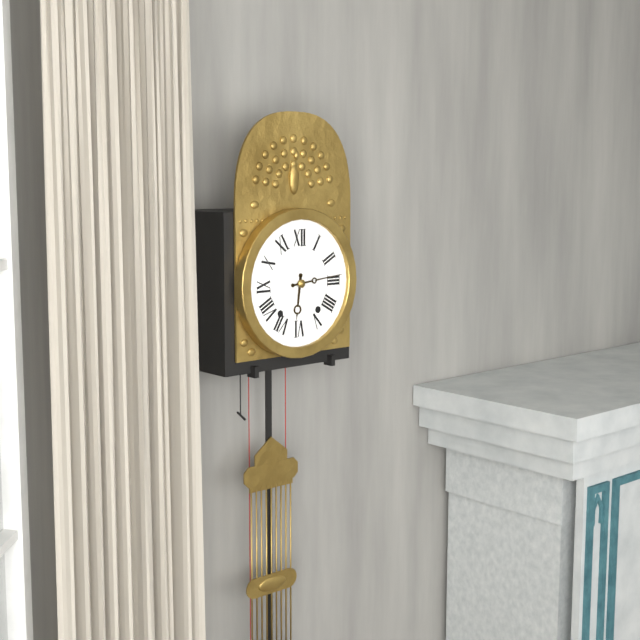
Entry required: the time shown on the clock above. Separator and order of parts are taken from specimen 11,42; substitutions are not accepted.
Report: 6,14
